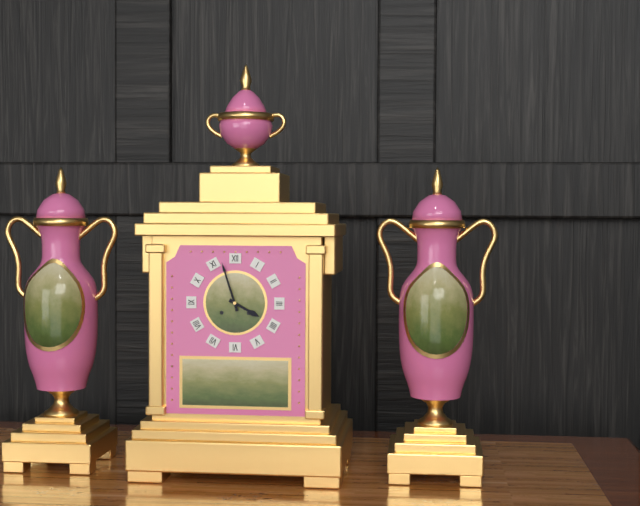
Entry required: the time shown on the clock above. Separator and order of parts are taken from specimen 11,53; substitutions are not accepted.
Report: 3,57
